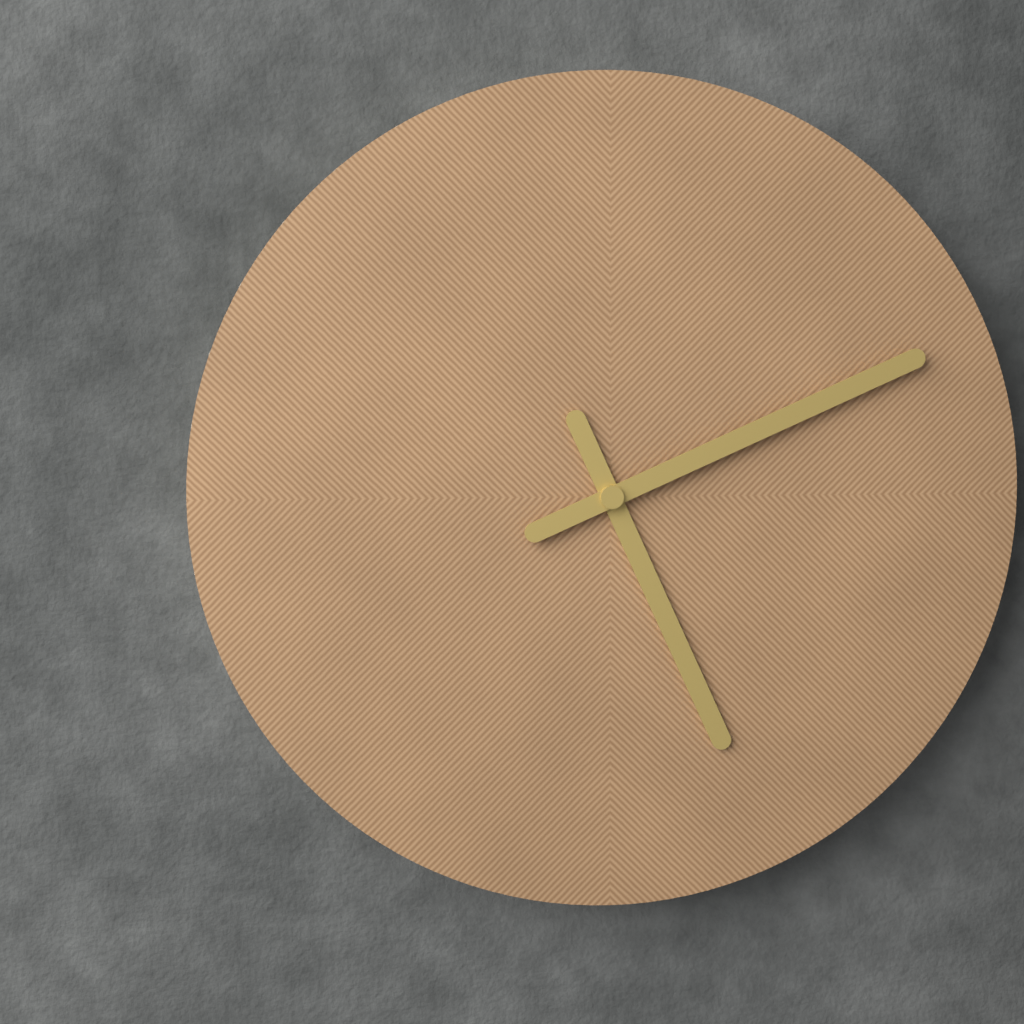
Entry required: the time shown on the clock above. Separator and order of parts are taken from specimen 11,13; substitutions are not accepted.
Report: 5,11
